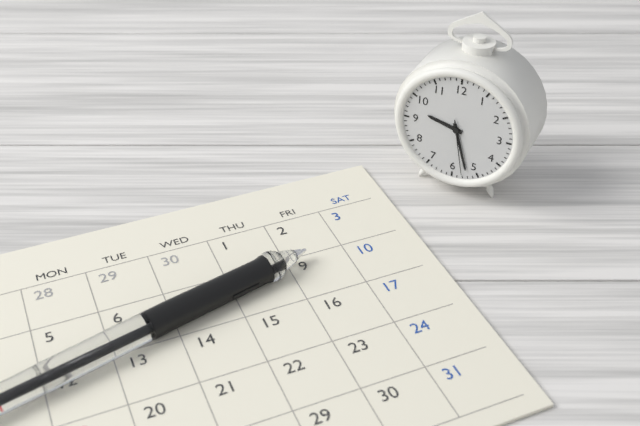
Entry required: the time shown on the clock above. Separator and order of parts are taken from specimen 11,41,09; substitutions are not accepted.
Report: 9,27,28
